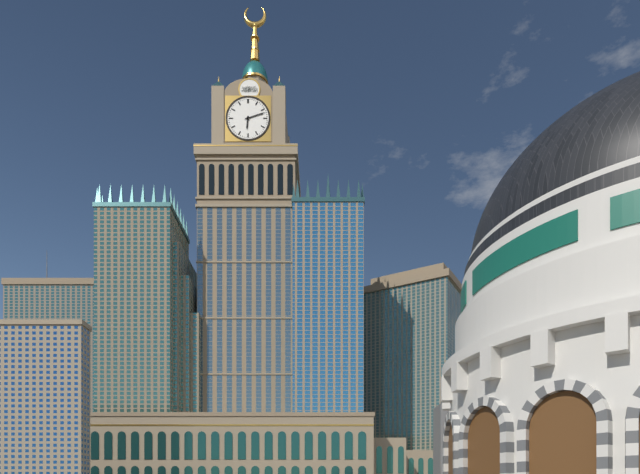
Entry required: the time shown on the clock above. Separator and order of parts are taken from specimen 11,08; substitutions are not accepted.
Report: 6,12
